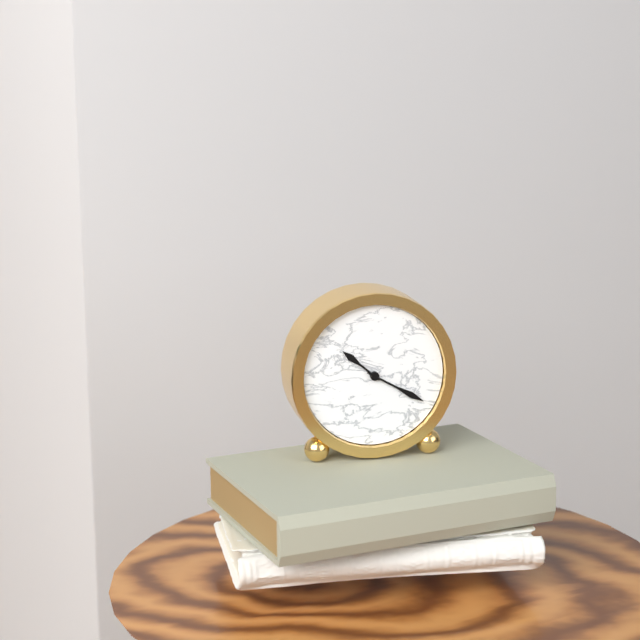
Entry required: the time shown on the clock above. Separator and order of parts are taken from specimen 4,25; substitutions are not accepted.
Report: 10,20
